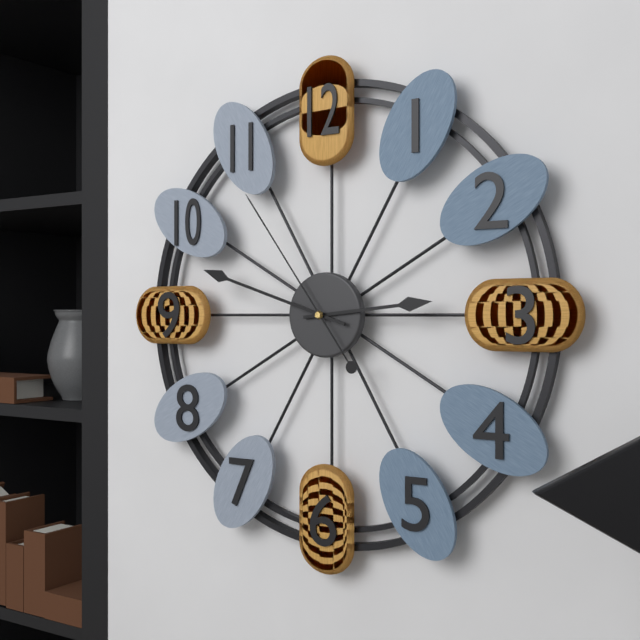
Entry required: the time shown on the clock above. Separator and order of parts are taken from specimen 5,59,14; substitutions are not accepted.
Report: 2,48,54
